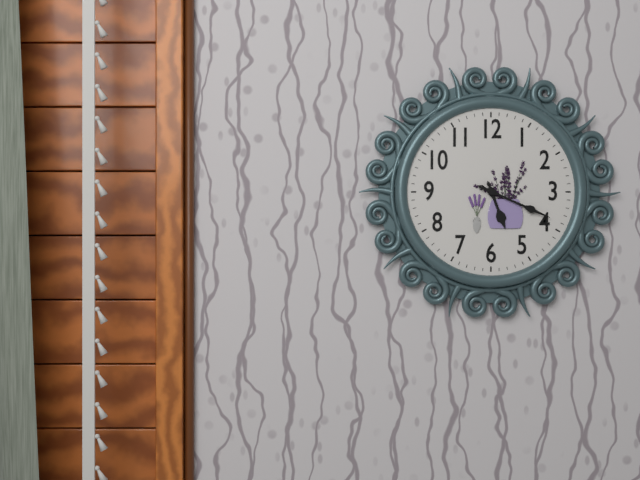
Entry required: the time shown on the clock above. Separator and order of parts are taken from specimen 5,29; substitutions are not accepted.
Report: 5,19
